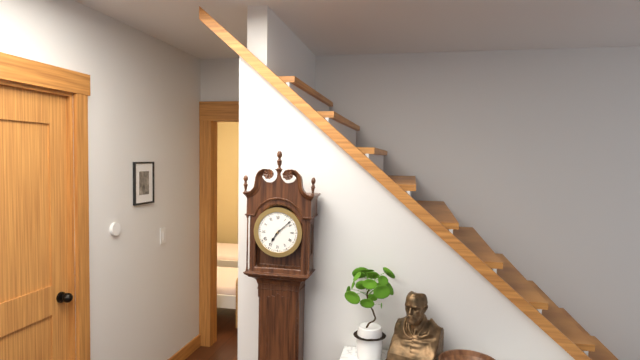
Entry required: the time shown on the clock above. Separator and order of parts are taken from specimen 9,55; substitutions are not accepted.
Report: 7,08
